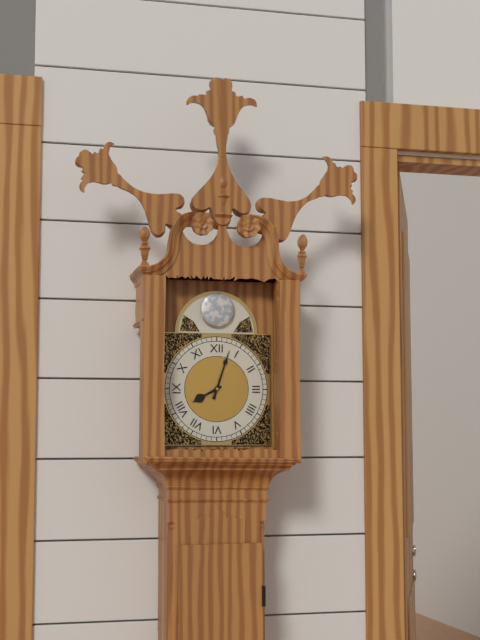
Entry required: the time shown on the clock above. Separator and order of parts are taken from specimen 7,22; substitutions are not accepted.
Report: 8,03
